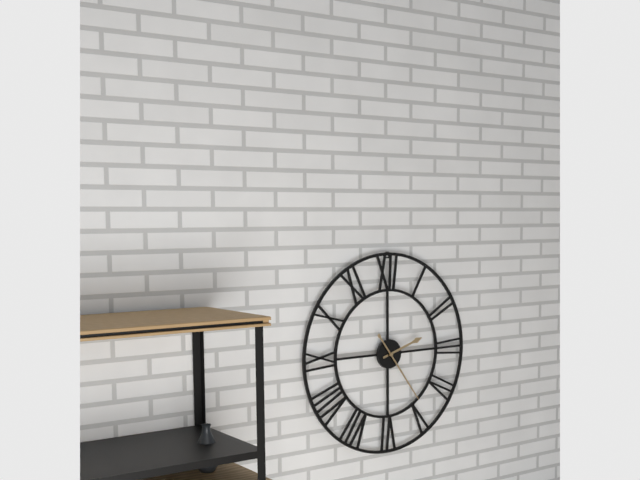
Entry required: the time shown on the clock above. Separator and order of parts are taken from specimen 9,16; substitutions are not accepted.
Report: 2,24
